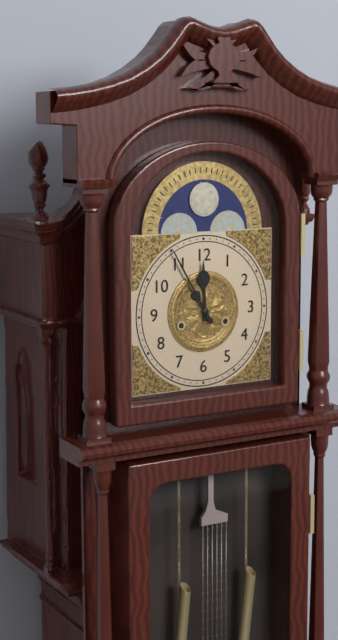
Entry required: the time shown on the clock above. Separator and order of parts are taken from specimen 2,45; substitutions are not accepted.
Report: 11,55
